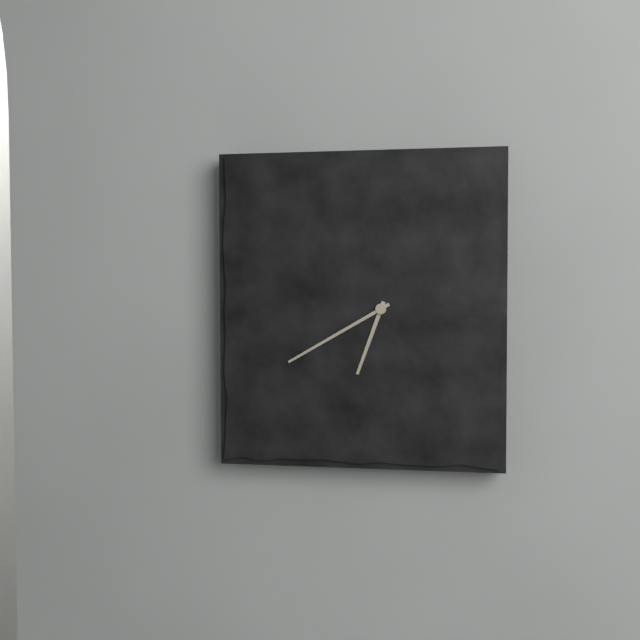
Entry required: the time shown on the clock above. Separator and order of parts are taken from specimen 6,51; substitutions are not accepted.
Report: 6,40
